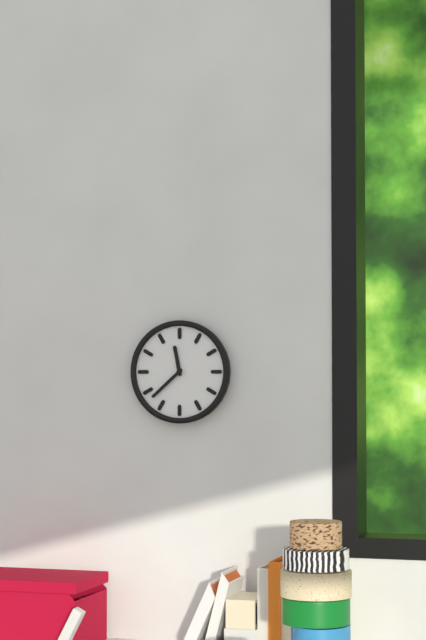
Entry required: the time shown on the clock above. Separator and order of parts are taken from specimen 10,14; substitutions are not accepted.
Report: 11,38
